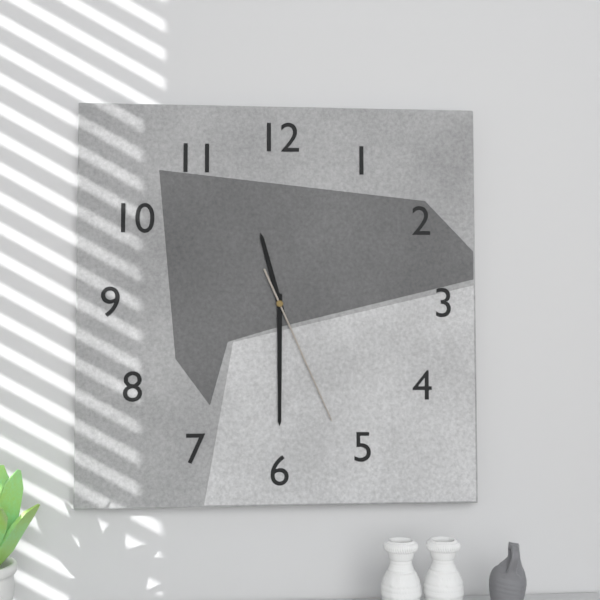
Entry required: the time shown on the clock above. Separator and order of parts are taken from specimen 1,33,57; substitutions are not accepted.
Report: 11,30,26
